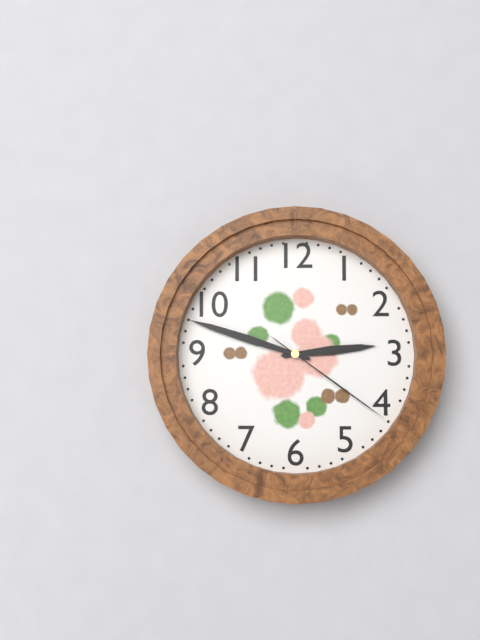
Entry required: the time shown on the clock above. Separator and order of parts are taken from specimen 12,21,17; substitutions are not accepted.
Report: 2,48,21
